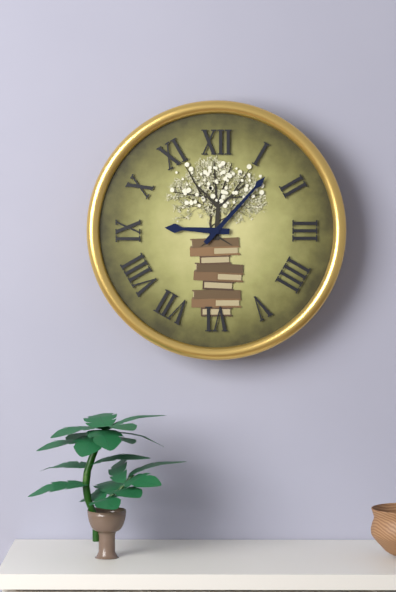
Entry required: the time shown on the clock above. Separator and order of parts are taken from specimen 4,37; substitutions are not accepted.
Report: 9,07
